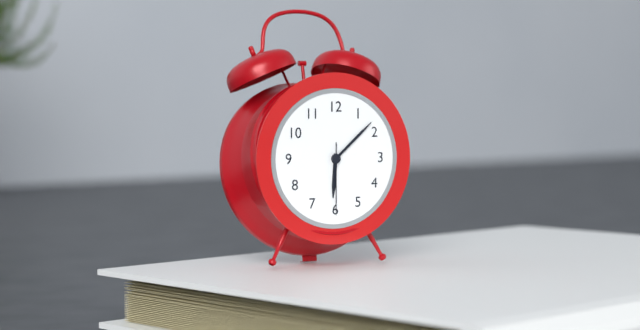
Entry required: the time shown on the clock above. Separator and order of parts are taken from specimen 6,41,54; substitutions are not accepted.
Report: 6,08,30
